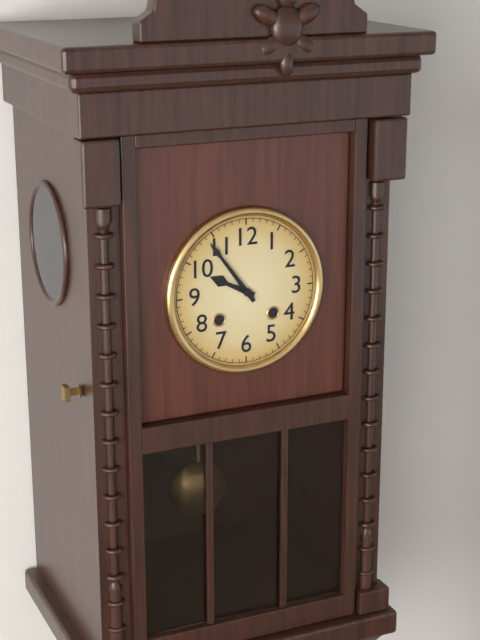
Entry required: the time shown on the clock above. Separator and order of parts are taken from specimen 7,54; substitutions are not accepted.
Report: 9,54
